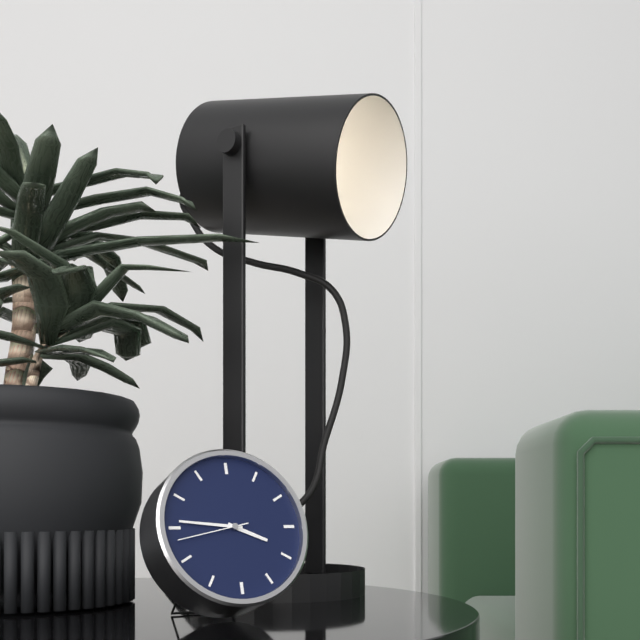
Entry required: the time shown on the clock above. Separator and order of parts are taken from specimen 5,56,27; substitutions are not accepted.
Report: 3,46,43
